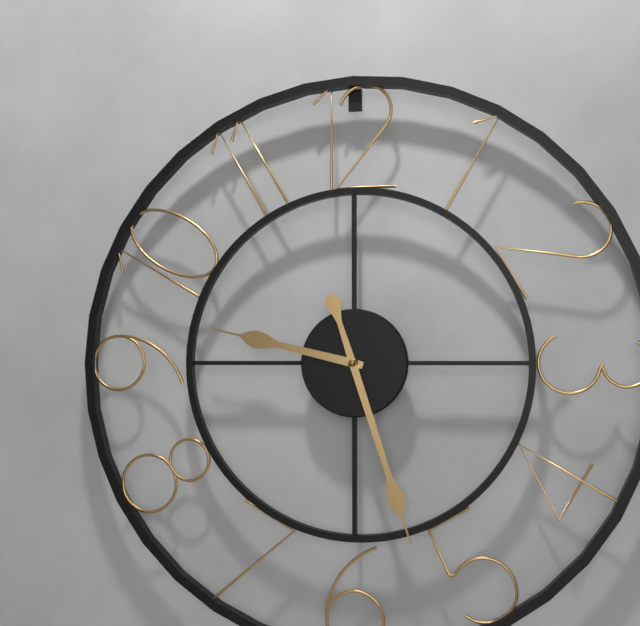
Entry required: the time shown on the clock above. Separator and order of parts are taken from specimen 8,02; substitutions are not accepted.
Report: 9,27
